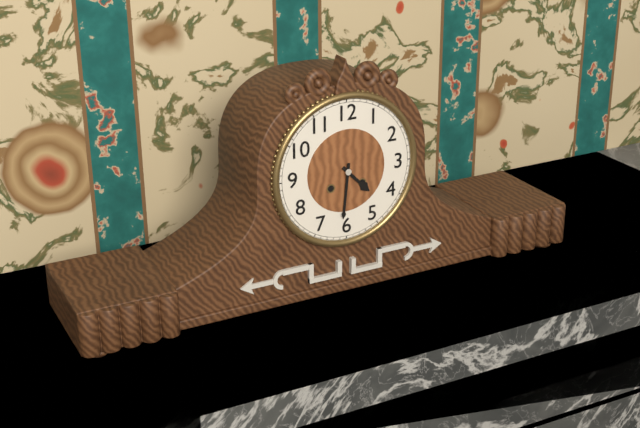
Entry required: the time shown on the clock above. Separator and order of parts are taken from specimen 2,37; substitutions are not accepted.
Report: 4,31
